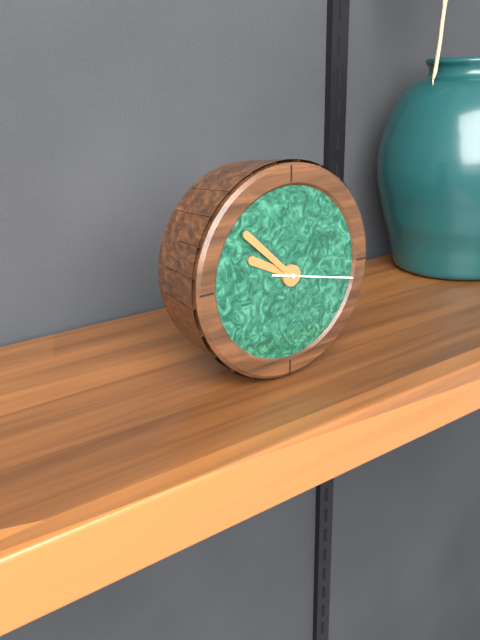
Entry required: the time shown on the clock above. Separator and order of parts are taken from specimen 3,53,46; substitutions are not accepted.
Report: 9,52,17
